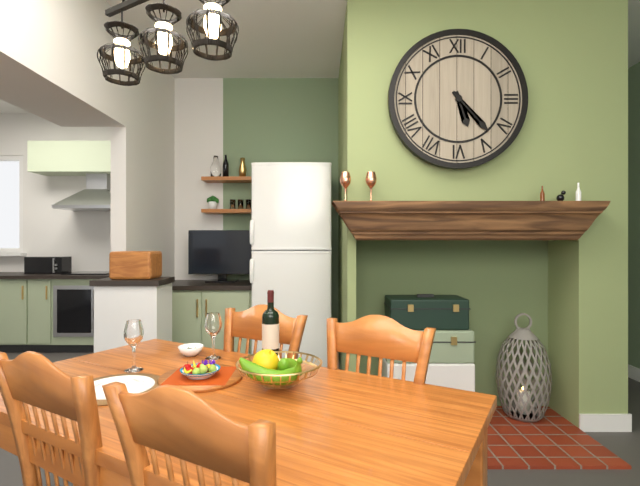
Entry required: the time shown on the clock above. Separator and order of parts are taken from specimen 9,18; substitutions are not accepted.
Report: 5,23
